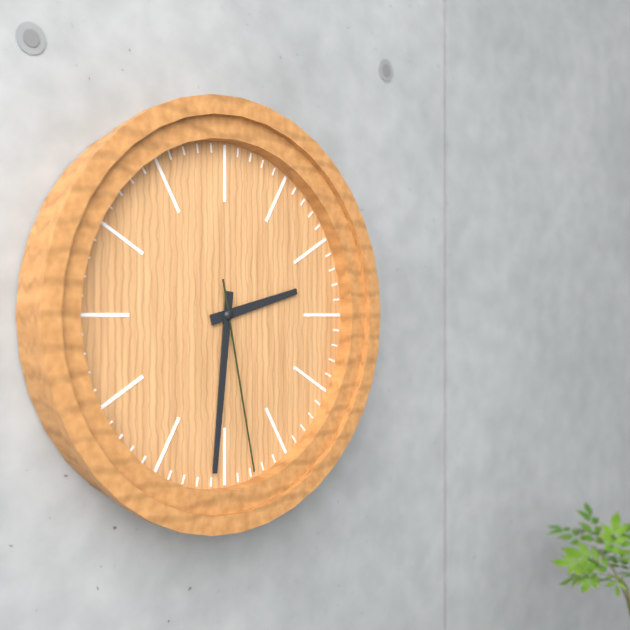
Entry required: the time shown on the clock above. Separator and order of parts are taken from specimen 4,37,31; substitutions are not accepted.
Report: 2,31,28
